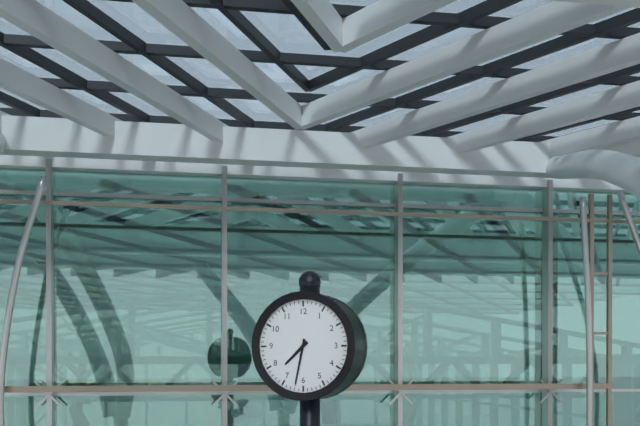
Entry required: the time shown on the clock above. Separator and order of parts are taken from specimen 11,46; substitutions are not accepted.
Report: 7,32
